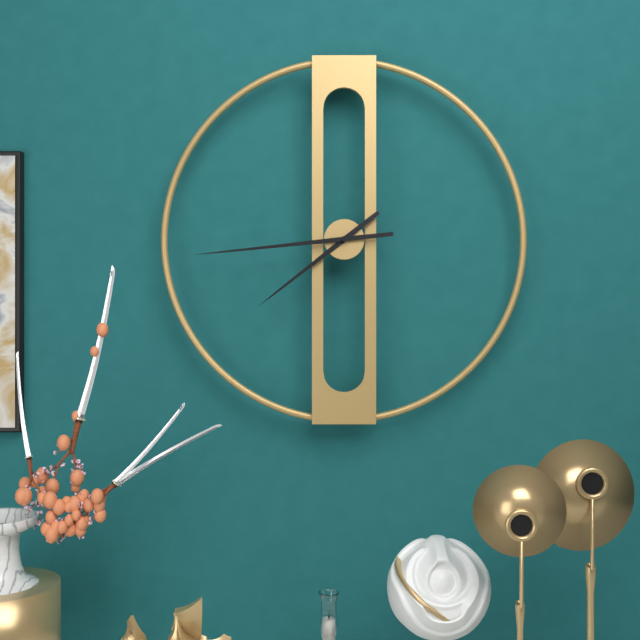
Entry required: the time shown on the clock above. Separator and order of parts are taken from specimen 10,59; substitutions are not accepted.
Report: 7,44
